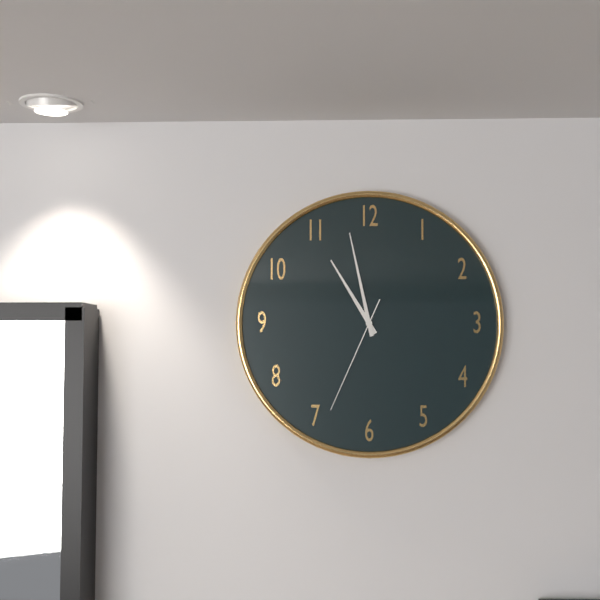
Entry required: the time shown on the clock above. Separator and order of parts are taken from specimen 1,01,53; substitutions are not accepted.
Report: 10,58,34
